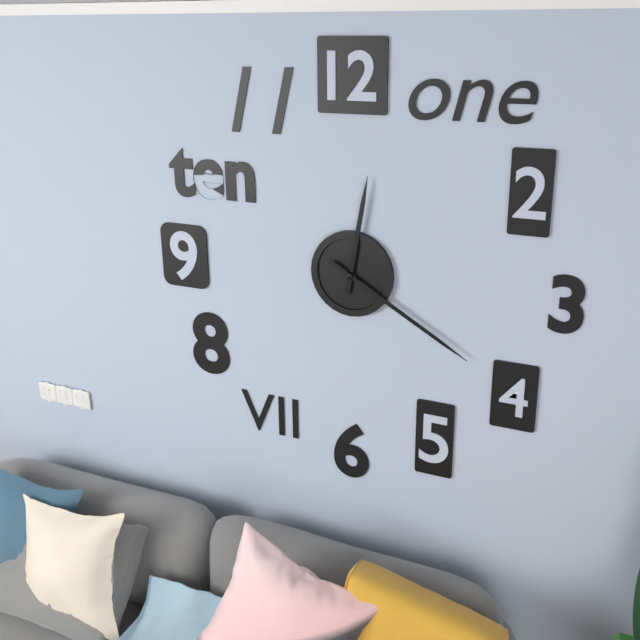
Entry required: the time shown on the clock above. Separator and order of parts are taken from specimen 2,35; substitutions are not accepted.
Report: 12,20
